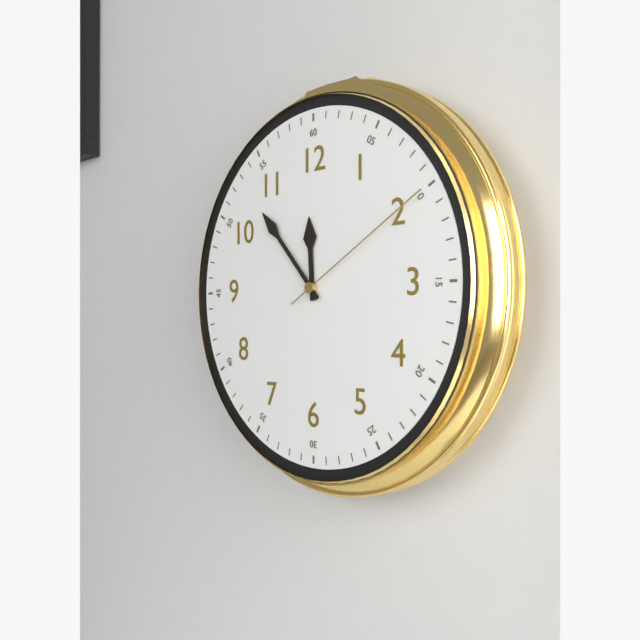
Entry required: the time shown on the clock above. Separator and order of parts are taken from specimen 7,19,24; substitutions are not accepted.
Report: 11,53,10
